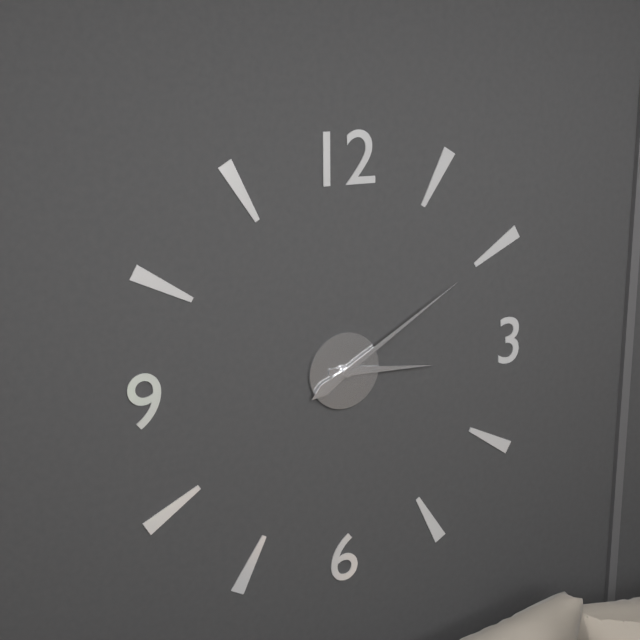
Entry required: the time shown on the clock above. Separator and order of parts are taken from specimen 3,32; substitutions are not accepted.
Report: 3,10
